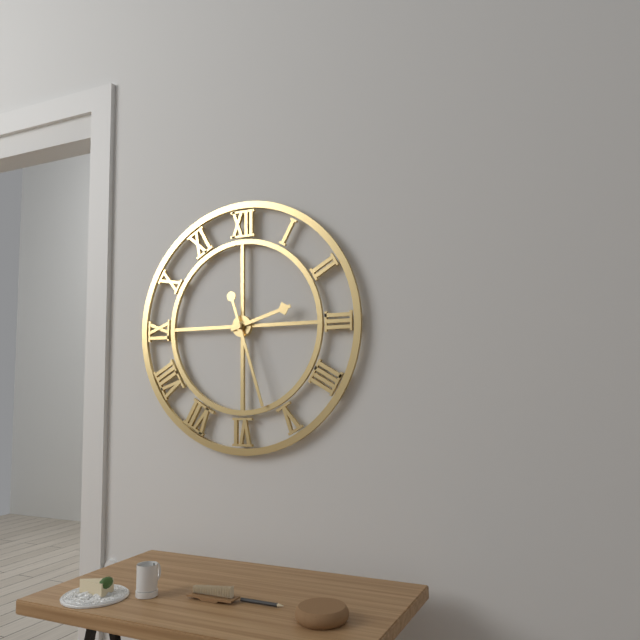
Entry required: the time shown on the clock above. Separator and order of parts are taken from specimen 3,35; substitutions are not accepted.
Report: 2,27
